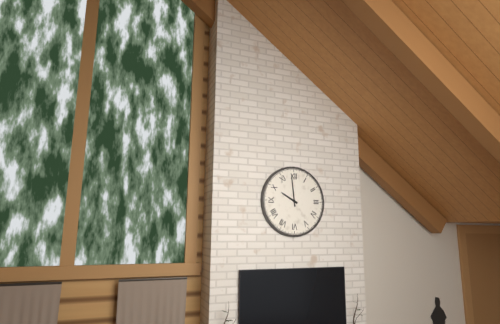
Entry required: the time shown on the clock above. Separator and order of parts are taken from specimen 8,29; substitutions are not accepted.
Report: 9,59
